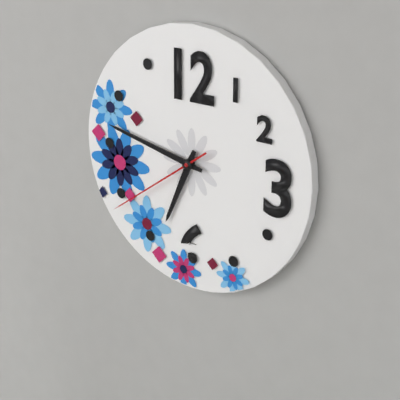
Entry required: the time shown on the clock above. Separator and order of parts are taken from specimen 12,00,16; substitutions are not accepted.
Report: 6,47,39
